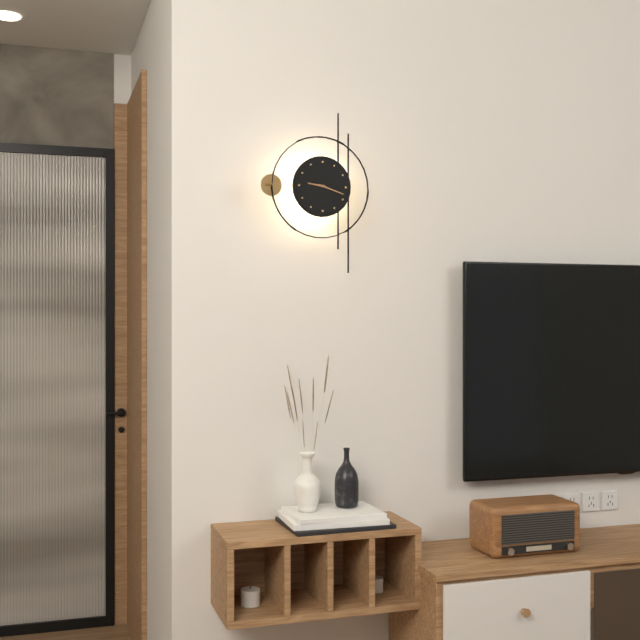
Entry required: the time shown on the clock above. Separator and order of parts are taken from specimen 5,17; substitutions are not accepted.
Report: 9,18
